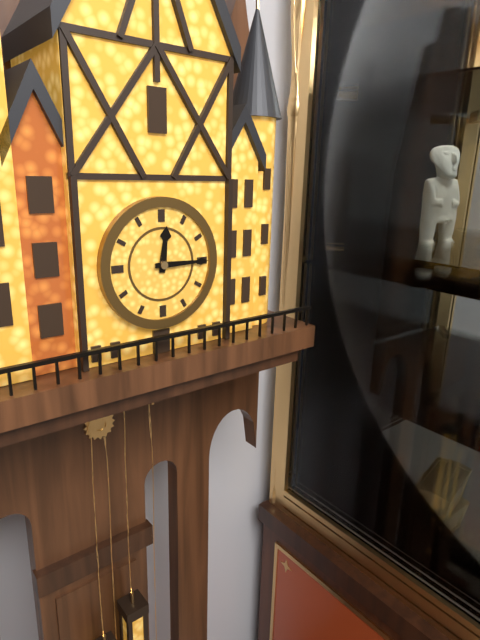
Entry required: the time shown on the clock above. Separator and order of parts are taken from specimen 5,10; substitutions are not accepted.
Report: 12,15
